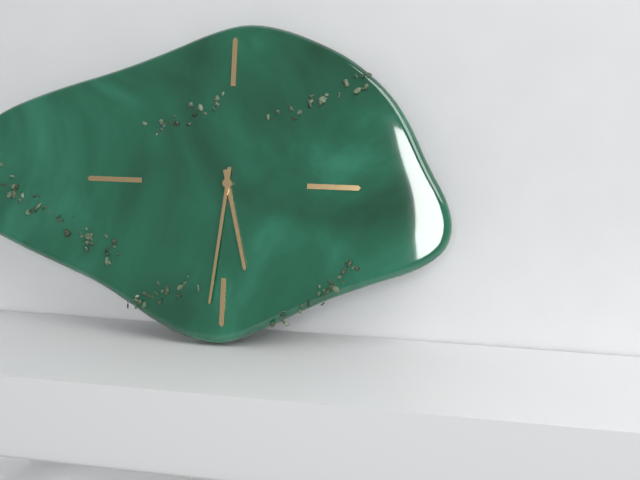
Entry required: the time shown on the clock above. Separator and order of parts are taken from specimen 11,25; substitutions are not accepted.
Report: 5,31
